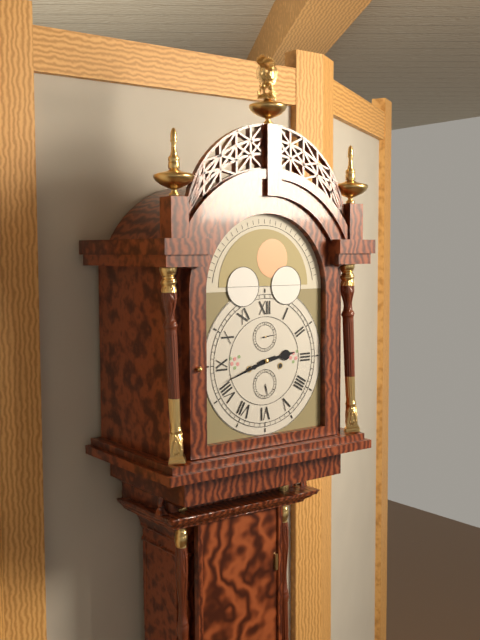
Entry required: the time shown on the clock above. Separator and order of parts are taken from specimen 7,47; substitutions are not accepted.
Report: 2,42
